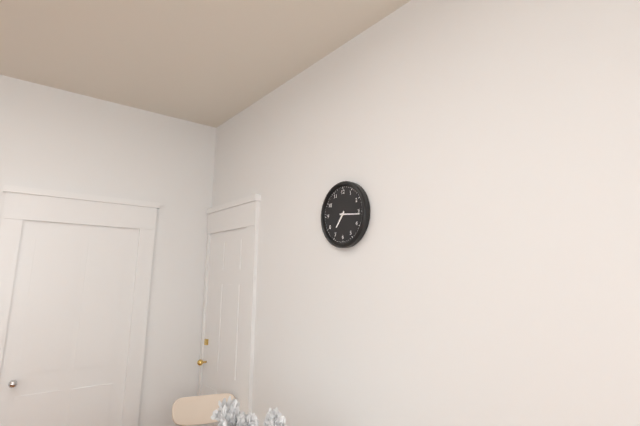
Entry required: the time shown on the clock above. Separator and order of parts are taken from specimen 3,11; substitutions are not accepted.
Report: 7,16
